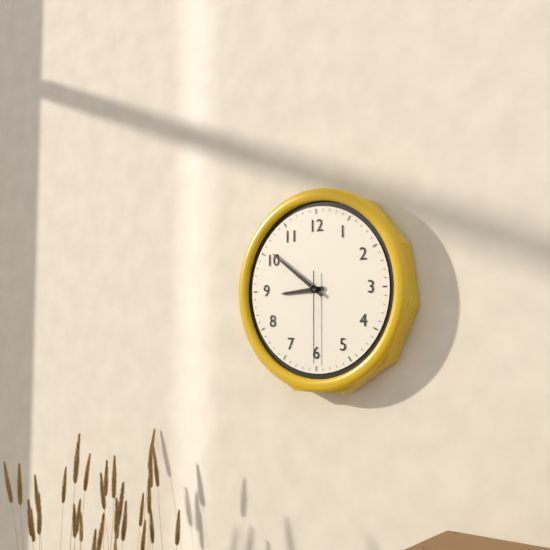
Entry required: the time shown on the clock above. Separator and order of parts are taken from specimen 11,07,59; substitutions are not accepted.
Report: 8,51,30
